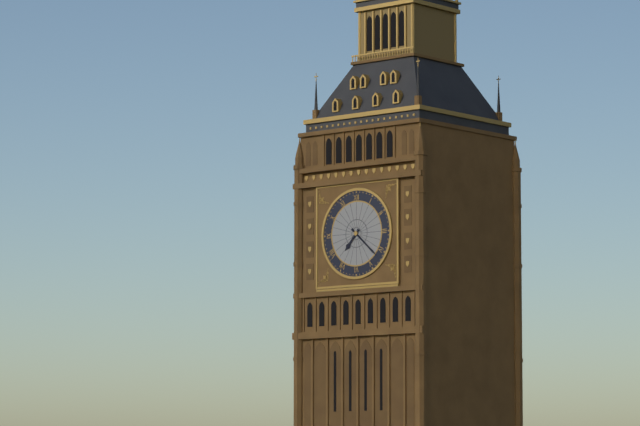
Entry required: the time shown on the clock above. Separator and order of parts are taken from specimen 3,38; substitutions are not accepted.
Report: 7,22
